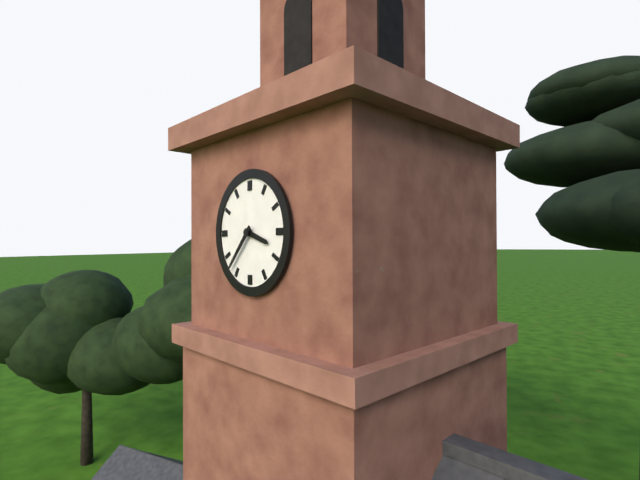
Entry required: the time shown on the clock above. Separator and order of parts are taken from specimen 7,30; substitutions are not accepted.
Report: 3,37
